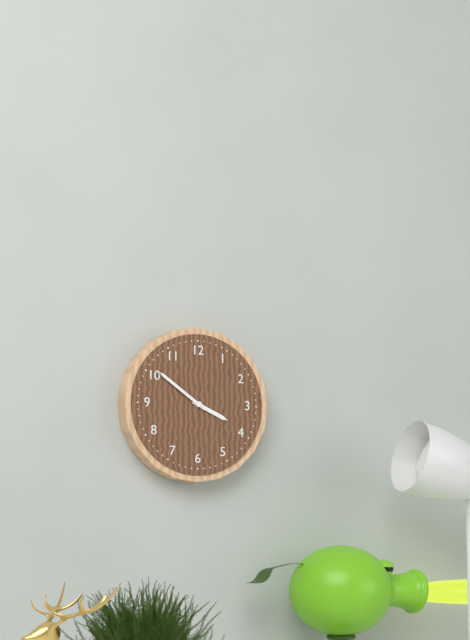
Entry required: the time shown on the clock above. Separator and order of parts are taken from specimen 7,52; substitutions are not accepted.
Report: 3,51
